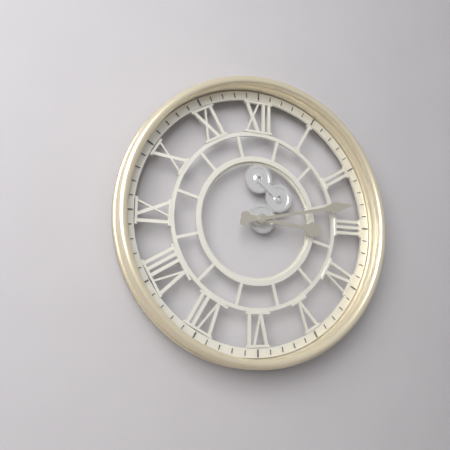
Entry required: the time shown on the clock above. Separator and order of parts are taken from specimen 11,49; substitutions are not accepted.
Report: 3,13
